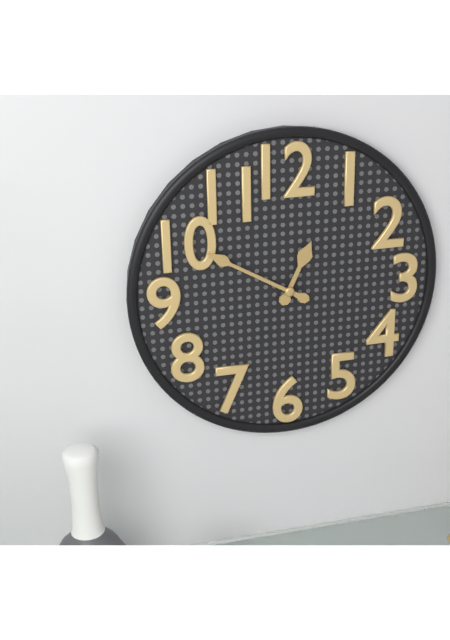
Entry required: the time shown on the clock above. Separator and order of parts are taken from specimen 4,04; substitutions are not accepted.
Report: 12,50
